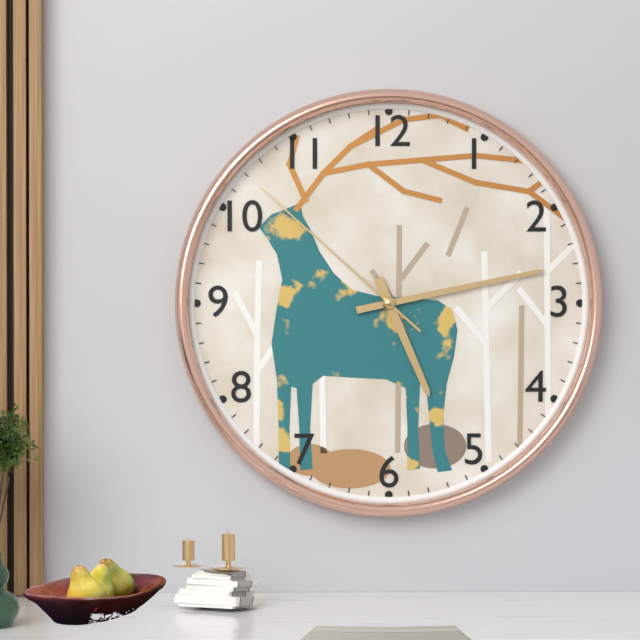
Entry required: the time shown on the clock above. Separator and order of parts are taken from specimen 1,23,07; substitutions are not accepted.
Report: 5,13,52
